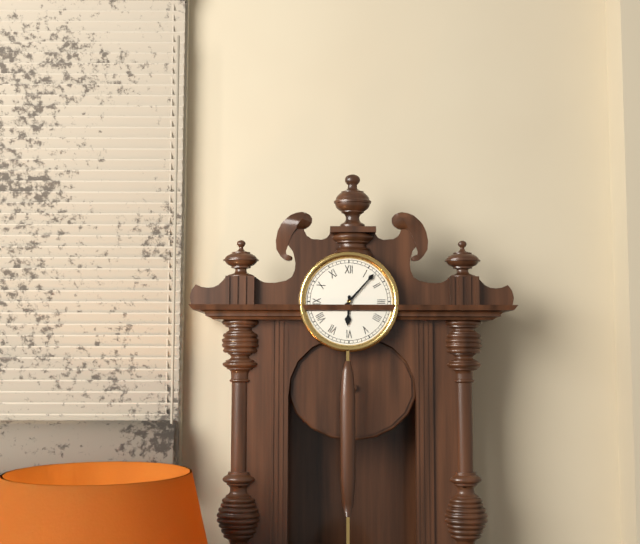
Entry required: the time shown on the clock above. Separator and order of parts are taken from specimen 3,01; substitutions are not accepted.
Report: 6,07
